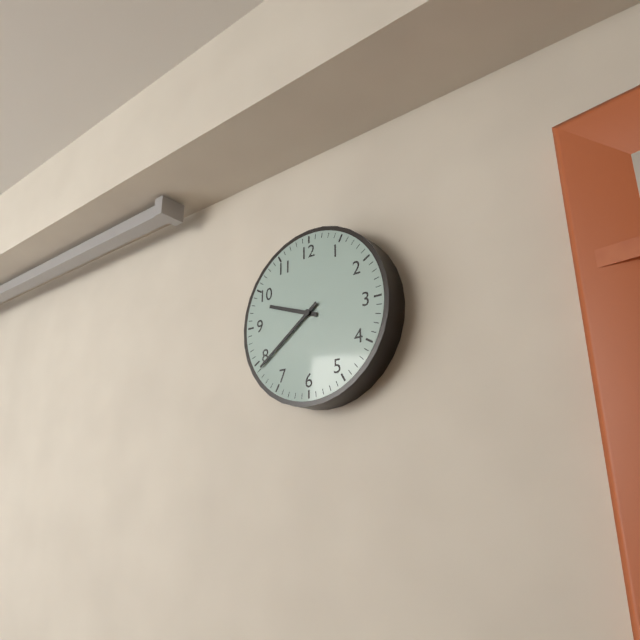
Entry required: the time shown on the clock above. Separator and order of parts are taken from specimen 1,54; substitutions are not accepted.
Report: 9,39
